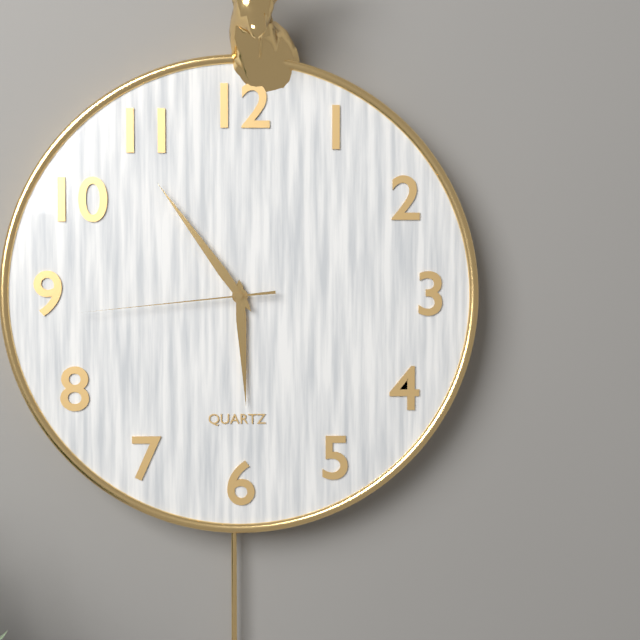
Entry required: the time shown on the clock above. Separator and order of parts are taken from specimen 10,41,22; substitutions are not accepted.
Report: 5,54,44
